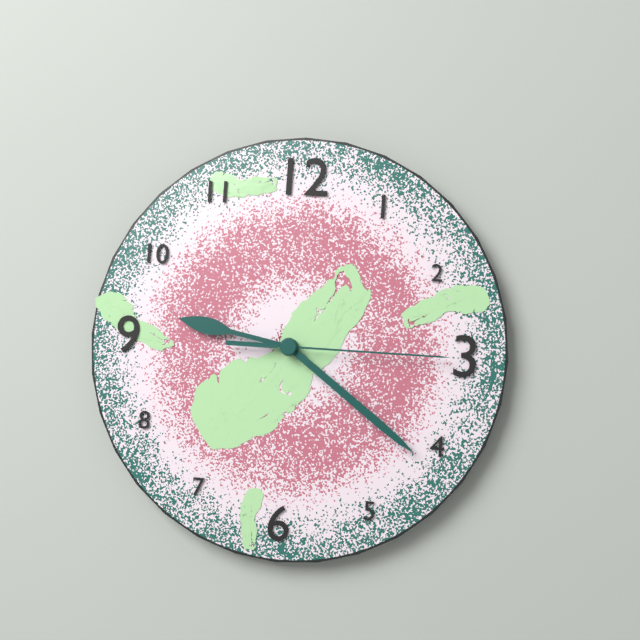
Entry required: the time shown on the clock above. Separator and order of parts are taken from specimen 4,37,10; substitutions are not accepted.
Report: 9,21,15
